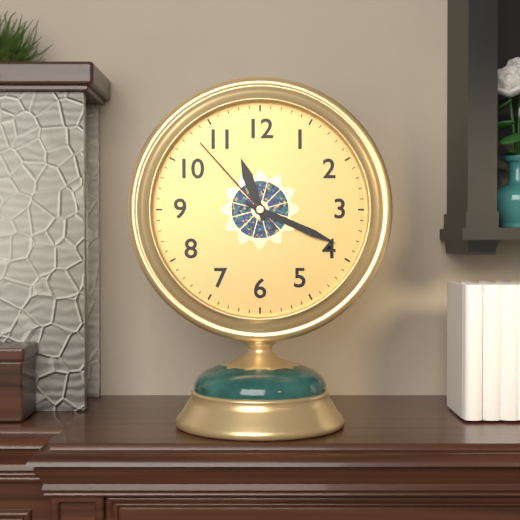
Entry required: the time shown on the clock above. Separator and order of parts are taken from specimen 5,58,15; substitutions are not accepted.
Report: 11,19,53
